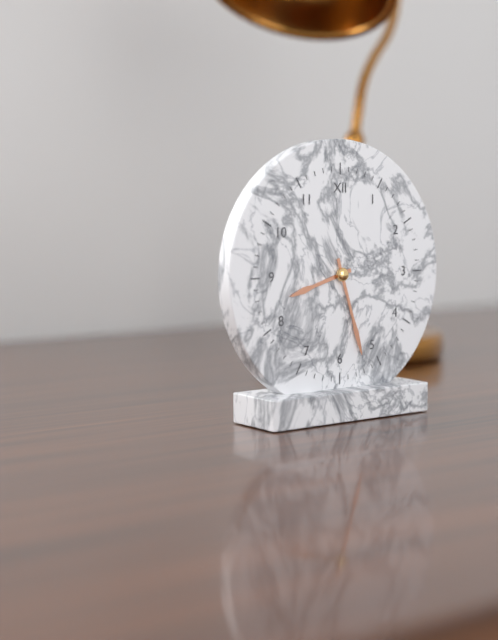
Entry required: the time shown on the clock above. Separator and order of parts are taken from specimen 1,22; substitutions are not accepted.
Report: 8,27
